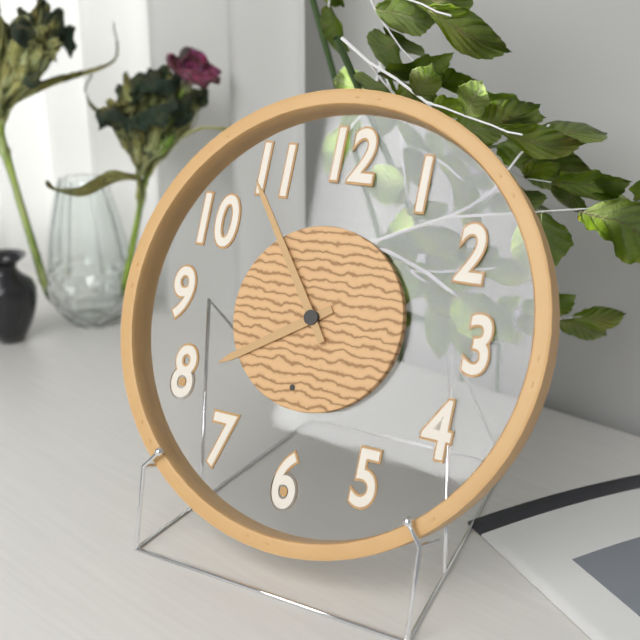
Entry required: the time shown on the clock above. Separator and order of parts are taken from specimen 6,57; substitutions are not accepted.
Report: 7,54
